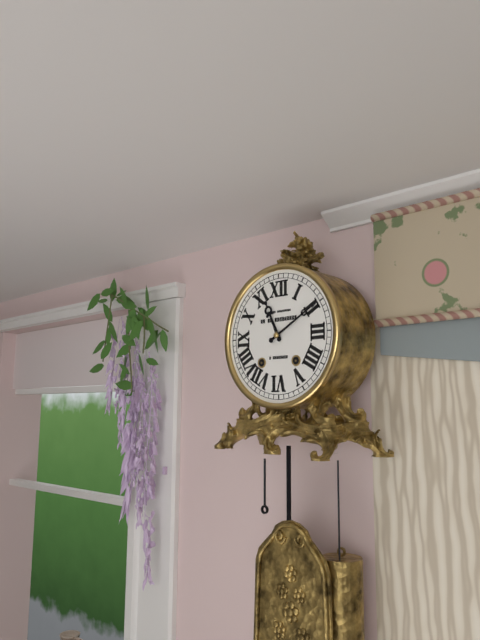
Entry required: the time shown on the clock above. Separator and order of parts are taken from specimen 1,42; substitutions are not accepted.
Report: 11,10
